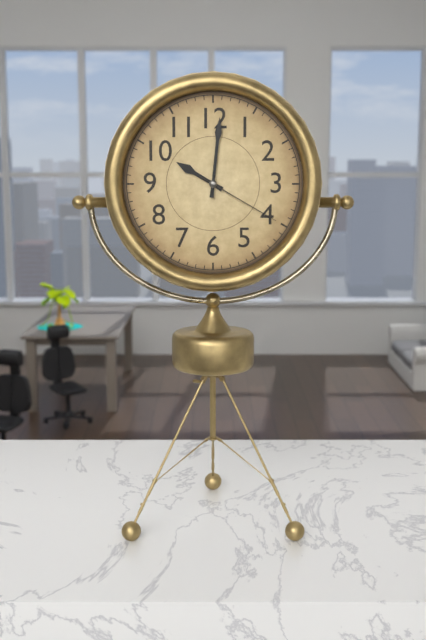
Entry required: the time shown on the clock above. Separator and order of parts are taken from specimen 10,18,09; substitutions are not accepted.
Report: 10,01,20
